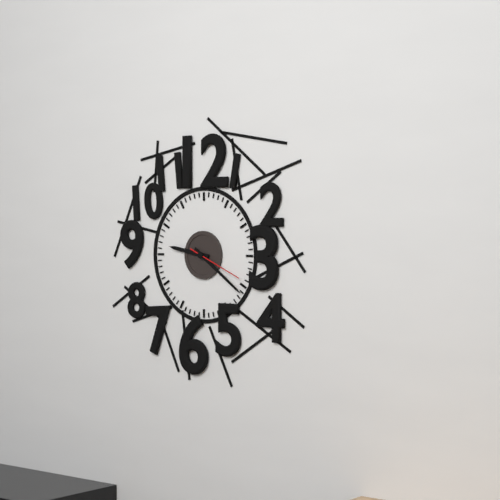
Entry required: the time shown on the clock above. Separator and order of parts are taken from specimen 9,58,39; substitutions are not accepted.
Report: 9,21,19
